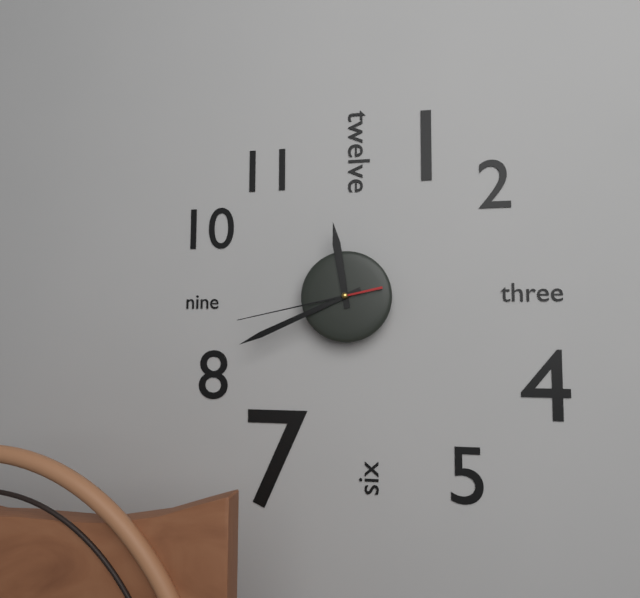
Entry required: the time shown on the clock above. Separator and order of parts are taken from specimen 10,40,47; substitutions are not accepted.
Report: 11,41,43
